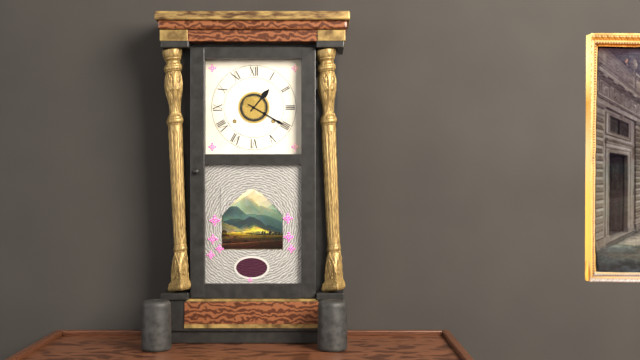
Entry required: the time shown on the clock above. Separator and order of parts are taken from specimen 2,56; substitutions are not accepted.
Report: 1,20
